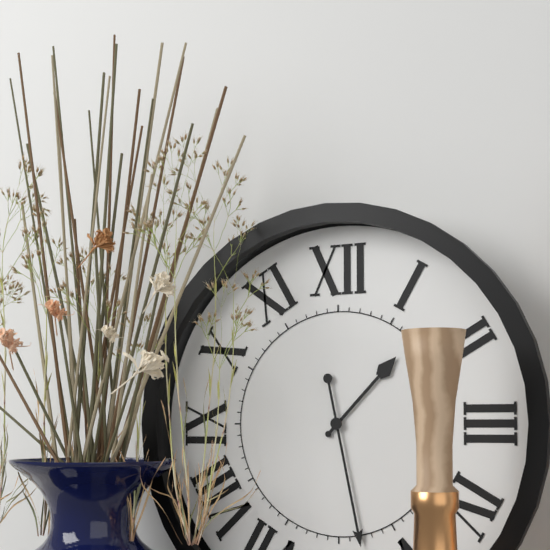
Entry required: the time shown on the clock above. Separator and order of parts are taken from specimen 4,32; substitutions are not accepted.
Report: 1,28
